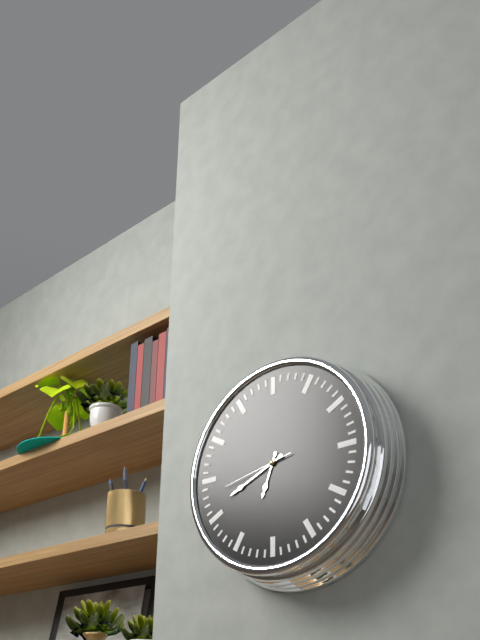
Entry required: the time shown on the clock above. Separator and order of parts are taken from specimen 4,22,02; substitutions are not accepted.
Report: 6,41,43
